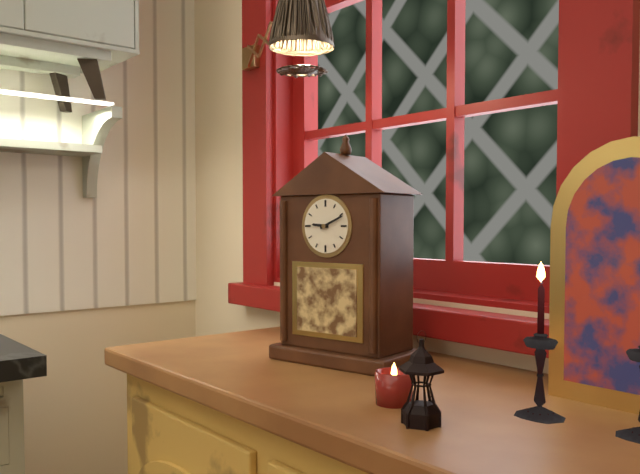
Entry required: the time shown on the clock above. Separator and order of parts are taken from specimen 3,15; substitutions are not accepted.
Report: 9,11
